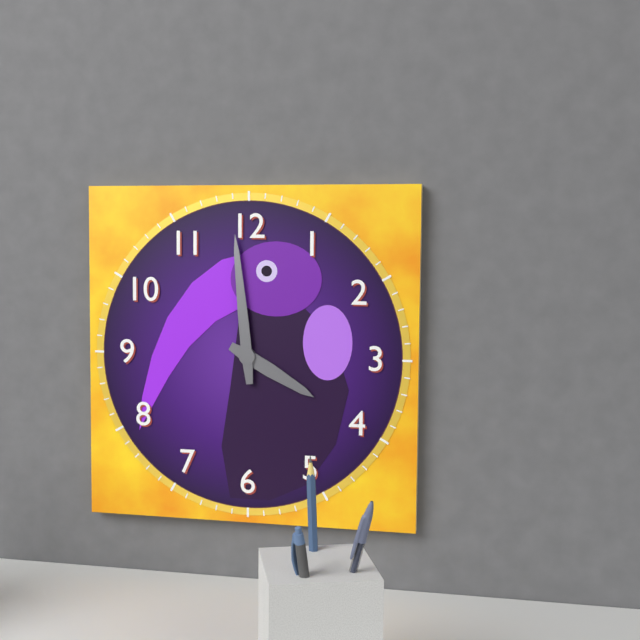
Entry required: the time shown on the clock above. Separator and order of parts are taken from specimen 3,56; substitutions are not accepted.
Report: 3,59
